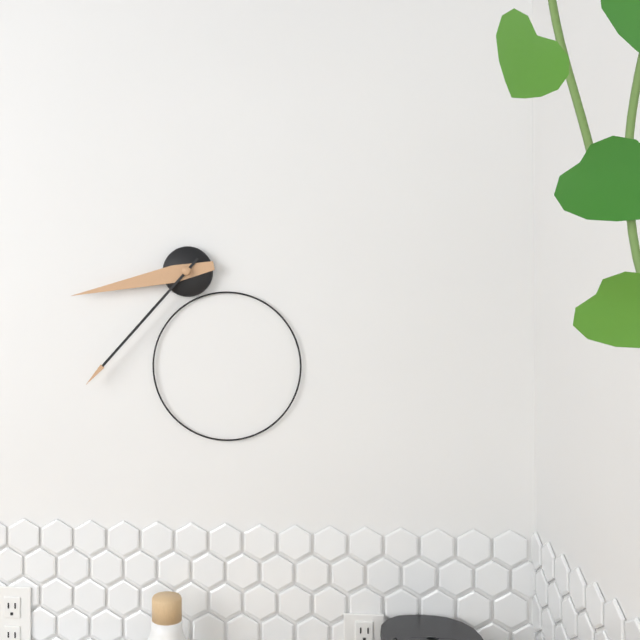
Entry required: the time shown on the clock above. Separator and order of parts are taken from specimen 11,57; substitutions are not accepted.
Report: 8,37
